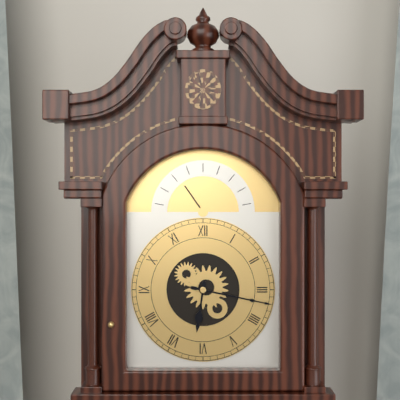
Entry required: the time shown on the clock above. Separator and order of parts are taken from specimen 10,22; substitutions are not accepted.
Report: 6,17
